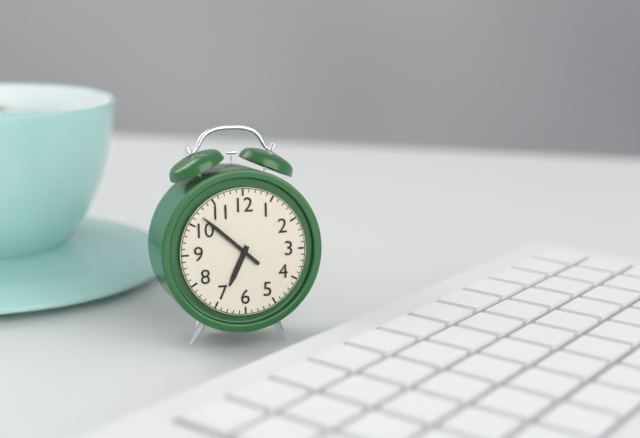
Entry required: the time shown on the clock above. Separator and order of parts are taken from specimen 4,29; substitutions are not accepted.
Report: 6,52
